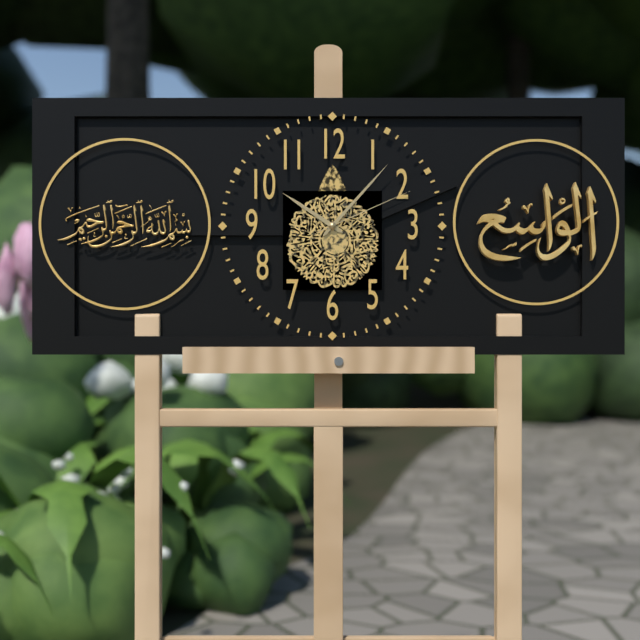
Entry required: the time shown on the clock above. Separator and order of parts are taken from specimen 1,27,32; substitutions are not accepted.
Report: 10,07,11
